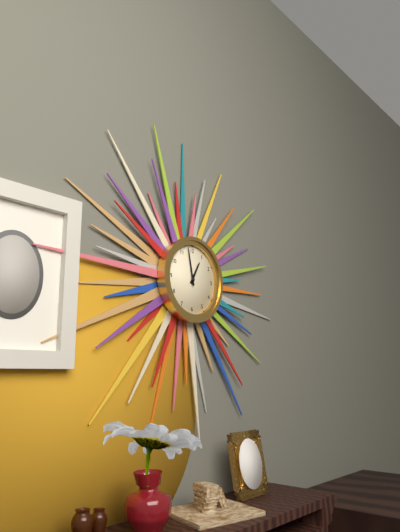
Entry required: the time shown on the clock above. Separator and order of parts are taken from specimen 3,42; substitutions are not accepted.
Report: 12,58
